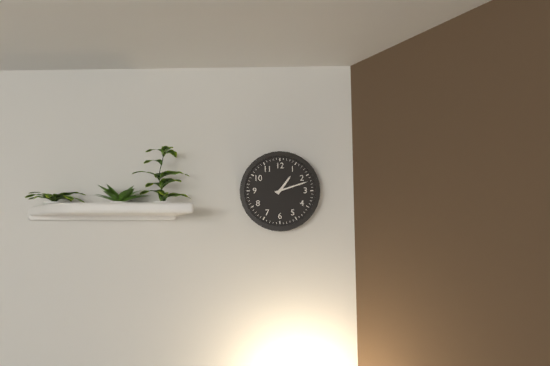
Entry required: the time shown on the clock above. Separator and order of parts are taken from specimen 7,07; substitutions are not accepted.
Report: 1,12
